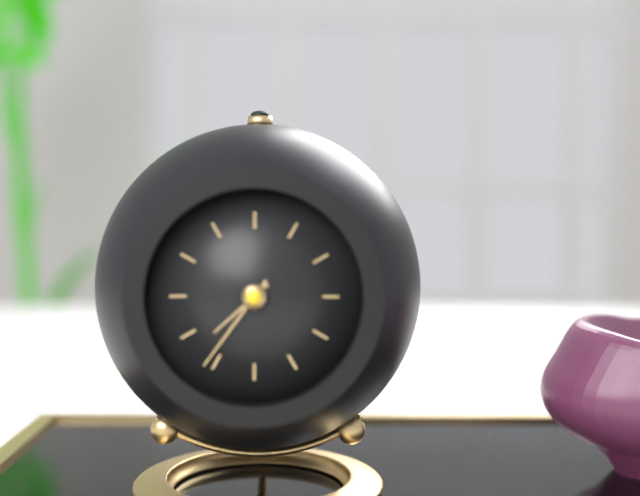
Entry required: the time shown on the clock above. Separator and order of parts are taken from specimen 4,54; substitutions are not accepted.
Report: 7,36
